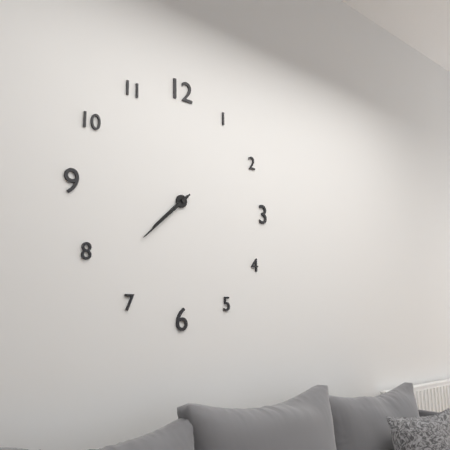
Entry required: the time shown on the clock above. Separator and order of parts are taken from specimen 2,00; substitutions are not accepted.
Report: 7,38
